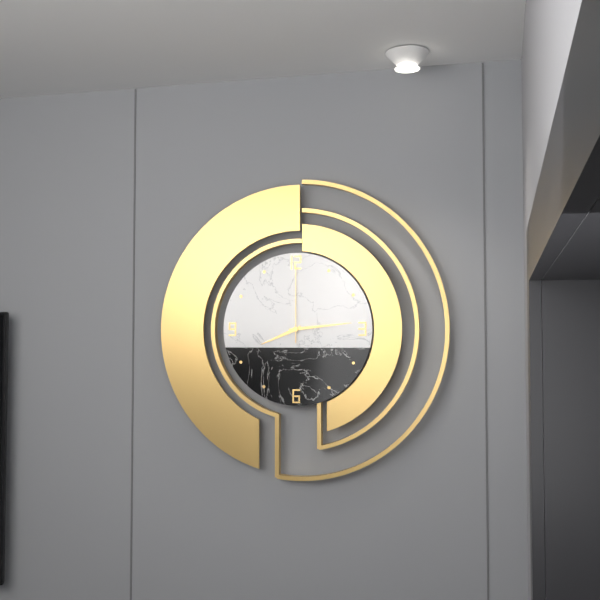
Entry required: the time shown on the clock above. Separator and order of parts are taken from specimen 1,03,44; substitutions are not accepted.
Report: 8,14,00
